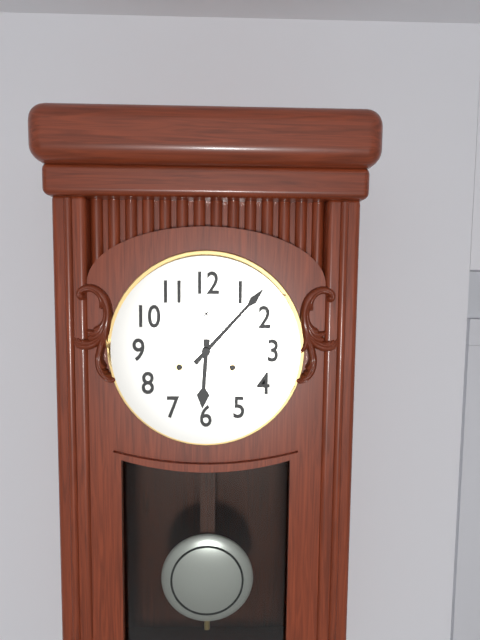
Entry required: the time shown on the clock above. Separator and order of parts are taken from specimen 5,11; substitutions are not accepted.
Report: 6,07
